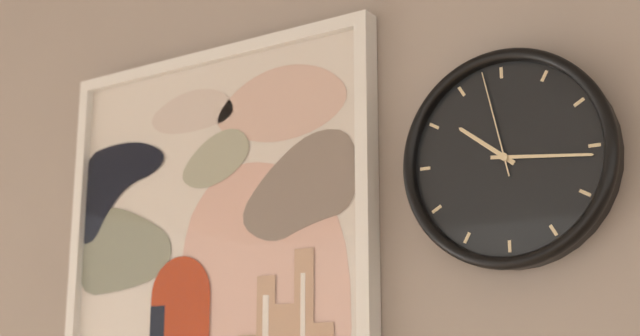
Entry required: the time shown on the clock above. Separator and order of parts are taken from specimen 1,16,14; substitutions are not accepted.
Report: 10,16,58
